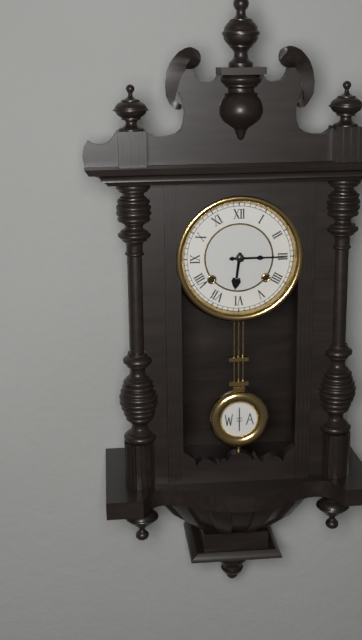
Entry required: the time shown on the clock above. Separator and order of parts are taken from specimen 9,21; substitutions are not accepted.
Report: 6,15
